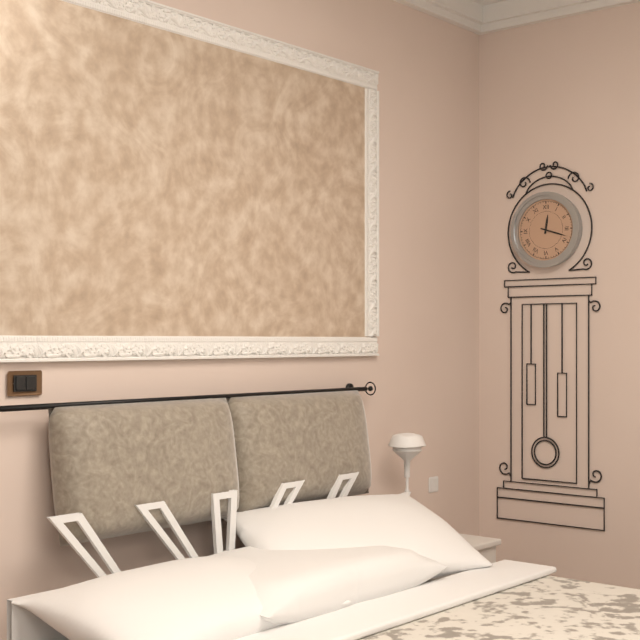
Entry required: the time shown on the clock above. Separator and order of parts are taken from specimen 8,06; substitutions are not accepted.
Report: 12,18
